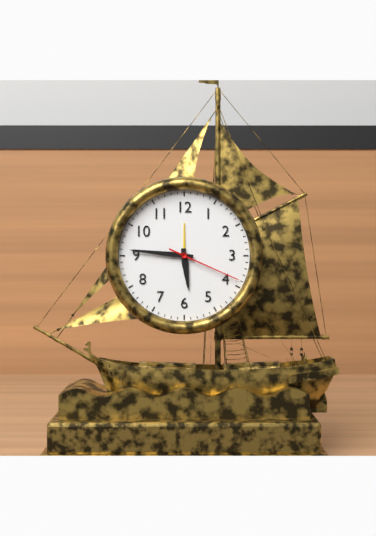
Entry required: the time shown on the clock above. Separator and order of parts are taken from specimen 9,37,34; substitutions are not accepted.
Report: 5,46,19
